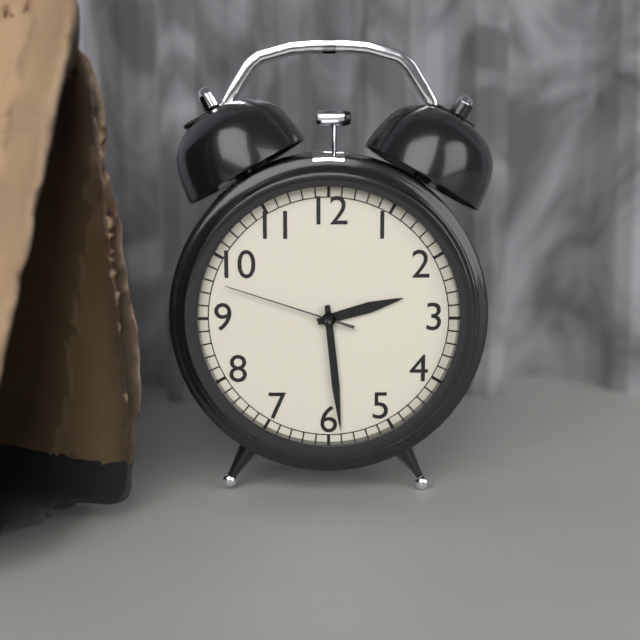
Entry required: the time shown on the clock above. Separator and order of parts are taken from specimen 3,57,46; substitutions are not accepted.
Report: 2,29,48
